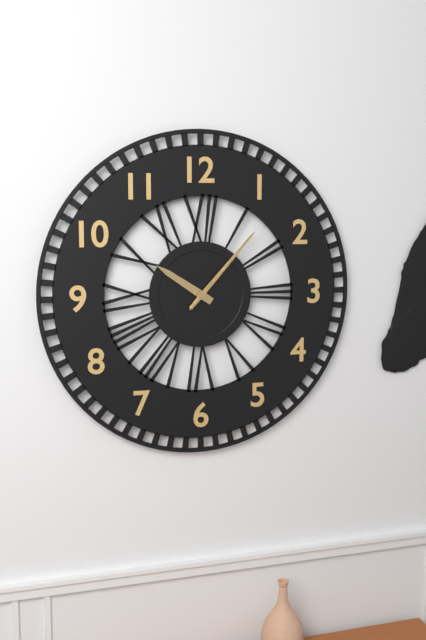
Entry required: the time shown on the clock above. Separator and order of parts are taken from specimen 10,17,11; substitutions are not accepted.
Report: 10,07,07
